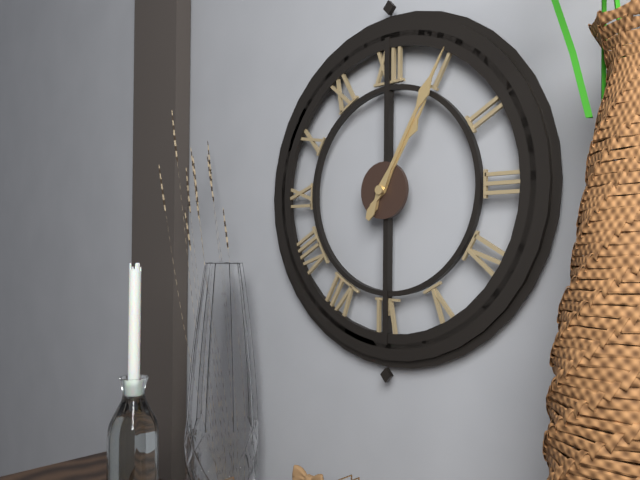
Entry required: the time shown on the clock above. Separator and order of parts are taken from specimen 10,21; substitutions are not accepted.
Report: 1,05
